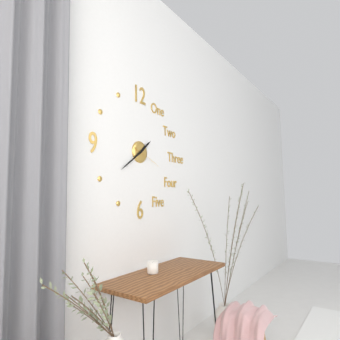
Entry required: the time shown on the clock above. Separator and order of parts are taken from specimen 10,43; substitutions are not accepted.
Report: 1,39
